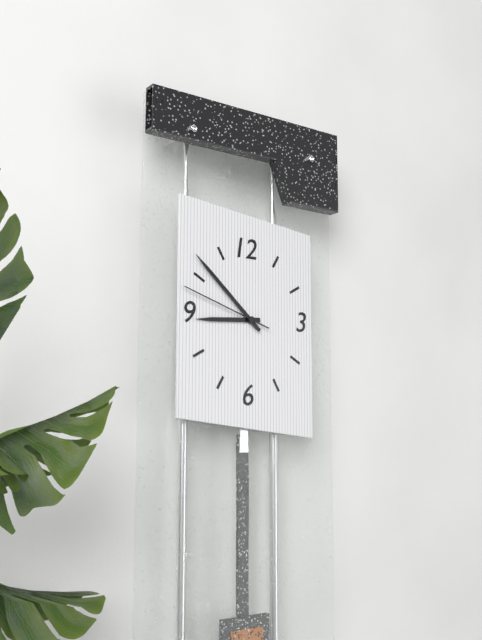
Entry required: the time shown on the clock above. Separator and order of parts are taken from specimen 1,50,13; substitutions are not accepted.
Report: 8,52,48
